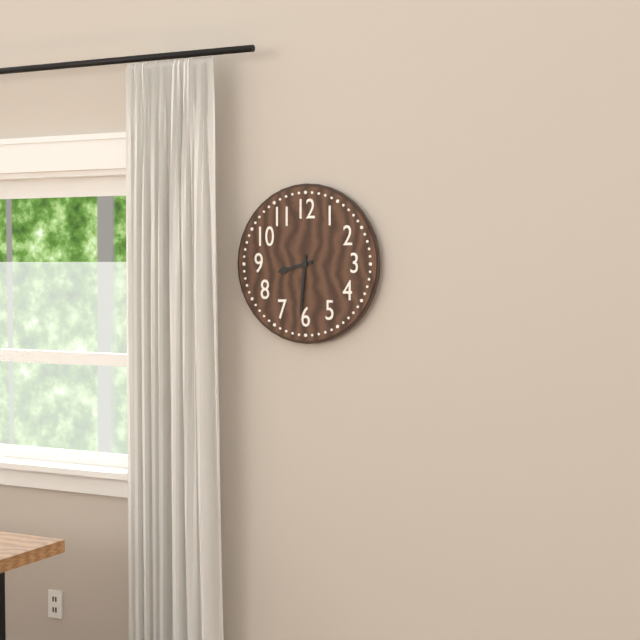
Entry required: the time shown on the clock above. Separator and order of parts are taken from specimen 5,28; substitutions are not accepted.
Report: 8,31
